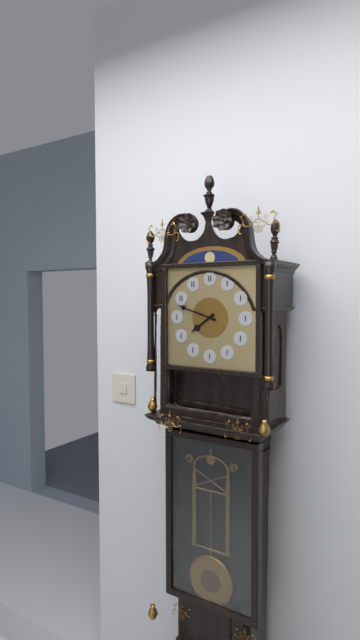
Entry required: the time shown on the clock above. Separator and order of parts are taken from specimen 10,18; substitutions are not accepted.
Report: 7,48
